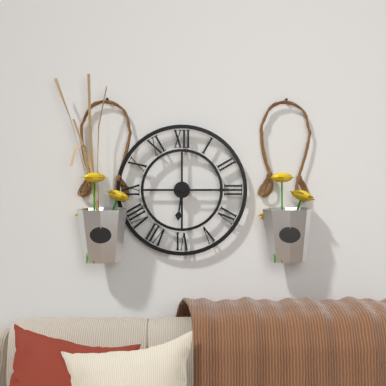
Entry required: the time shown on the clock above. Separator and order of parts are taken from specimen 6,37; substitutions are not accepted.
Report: 6,15
